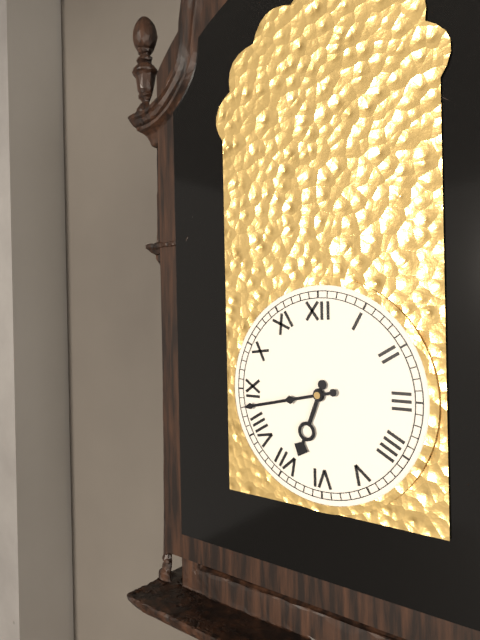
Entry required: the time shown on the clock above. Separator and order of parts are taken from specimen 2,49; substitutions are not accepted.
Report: 6,43
